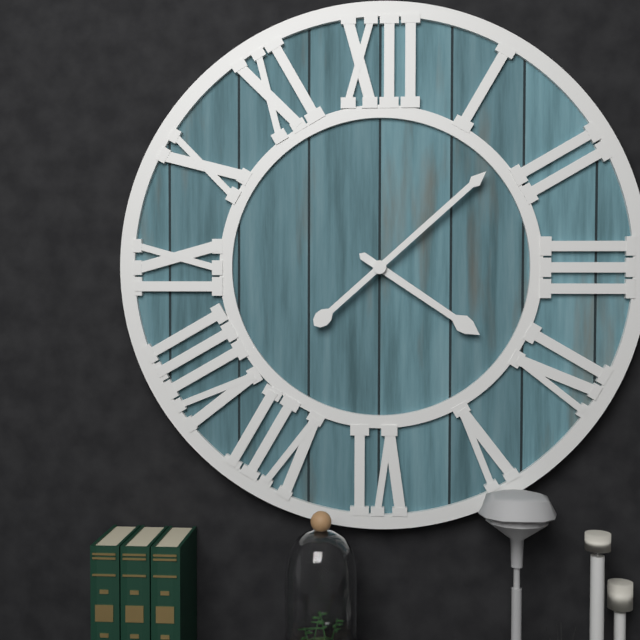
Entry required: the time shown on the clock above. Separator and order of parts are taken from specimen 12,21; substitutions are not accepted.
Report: 4,08
